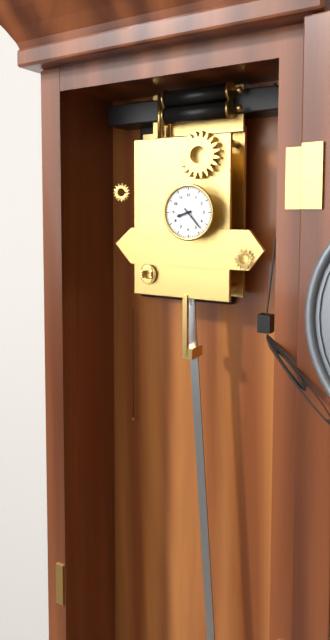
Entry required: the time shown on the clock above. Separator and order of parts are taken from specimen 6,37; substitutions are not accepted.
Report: 8,23
